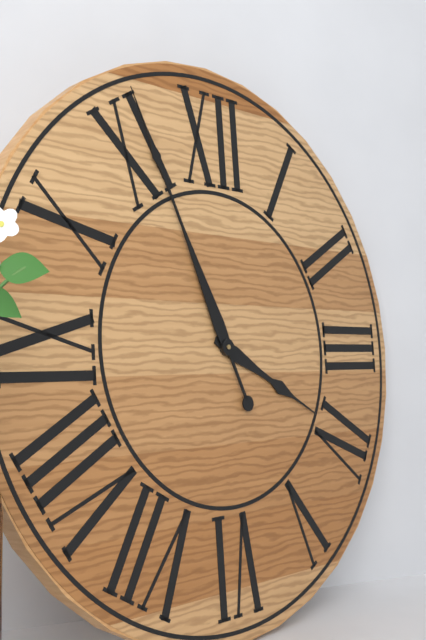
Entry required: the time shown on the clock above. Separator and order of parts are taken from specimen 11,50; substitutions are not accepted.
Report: 3,56
